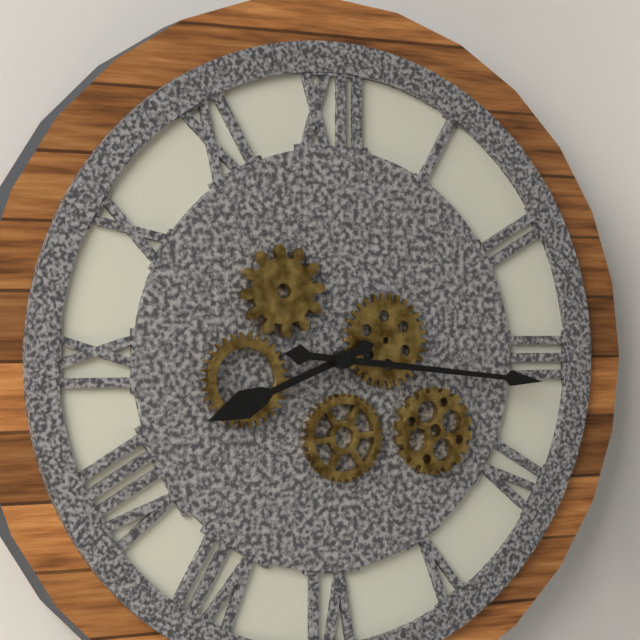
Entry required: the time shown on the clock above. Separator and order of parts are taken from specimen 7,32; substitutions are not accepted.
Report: 8,16
